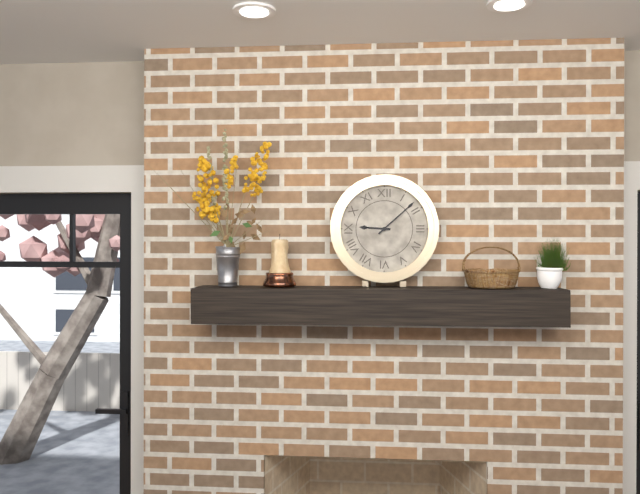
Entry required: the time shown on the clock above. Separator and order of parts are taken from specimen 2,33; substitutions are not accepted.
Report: 9,08
